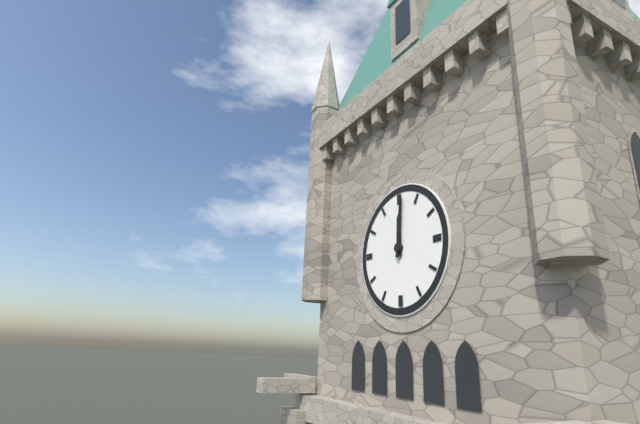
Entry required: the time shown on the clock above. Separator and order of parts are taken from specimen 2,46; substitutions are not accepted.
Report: 12,01
